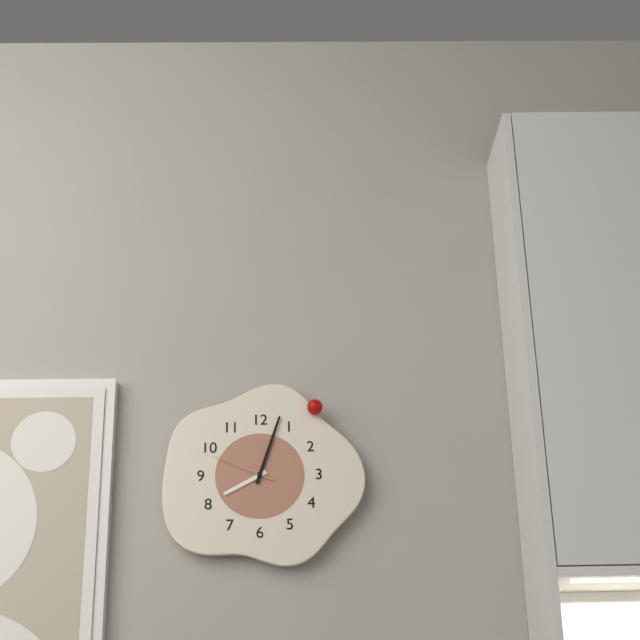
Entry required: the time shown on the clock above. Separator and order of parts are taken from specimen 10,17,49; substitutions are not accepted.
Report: 8,03,49
